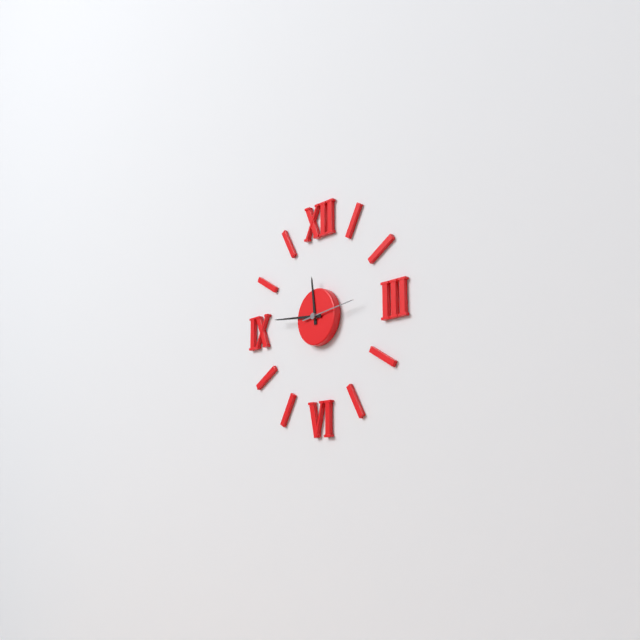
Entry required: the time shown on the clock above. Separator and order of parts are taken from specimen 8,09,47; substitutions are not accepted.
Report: 11,46,14
